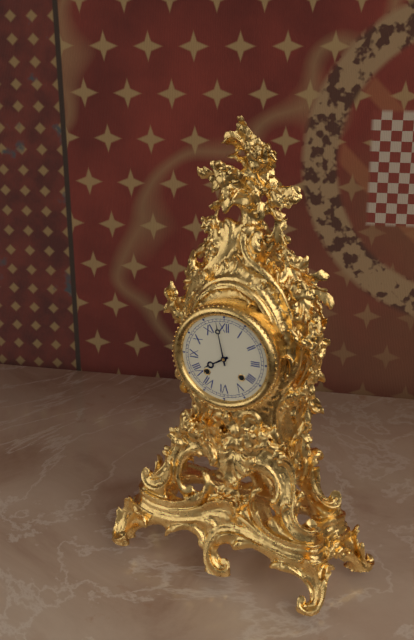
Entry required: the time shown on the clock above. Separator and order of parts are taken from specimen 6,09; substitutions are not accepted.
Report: 7,58
